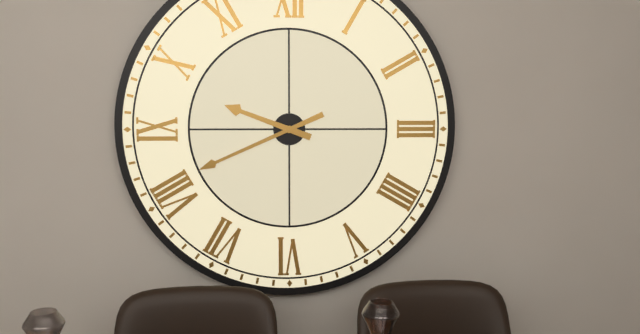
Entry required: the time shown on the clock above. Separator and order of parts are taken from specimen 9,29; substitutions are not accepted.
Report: 9,41
